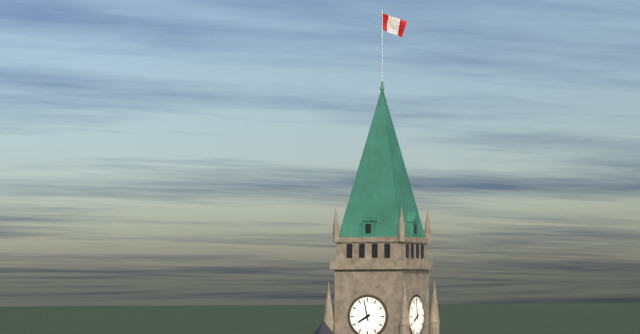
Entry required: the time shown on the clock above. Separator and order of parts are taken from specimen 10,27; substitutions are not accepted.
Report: 7,58
